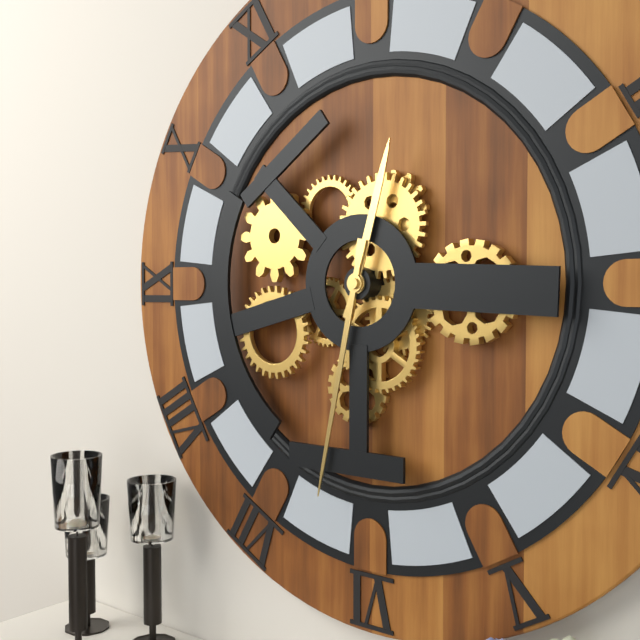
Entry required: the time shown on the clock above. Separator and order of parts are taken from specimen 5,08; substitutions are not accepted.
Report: 12,32
